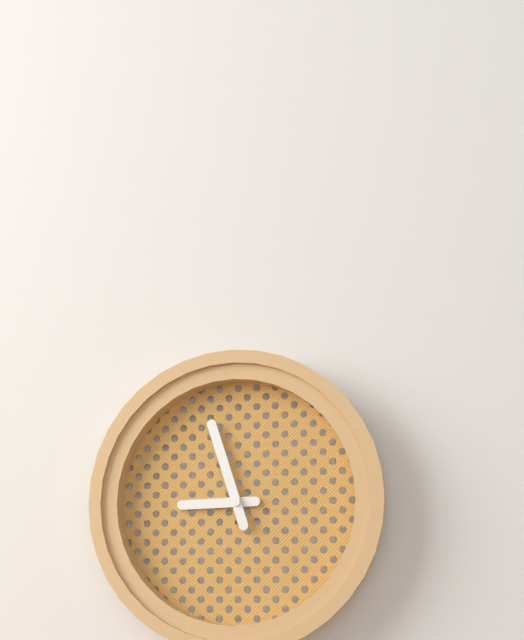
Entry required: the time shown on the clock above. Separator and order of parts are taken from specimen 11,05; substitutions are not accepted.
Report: 8,57
